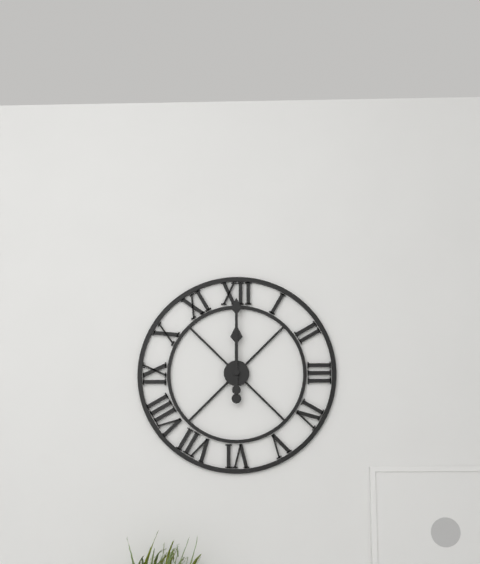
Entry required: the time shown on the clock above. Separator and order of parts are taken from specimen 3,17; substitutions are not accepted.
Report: 12,00
